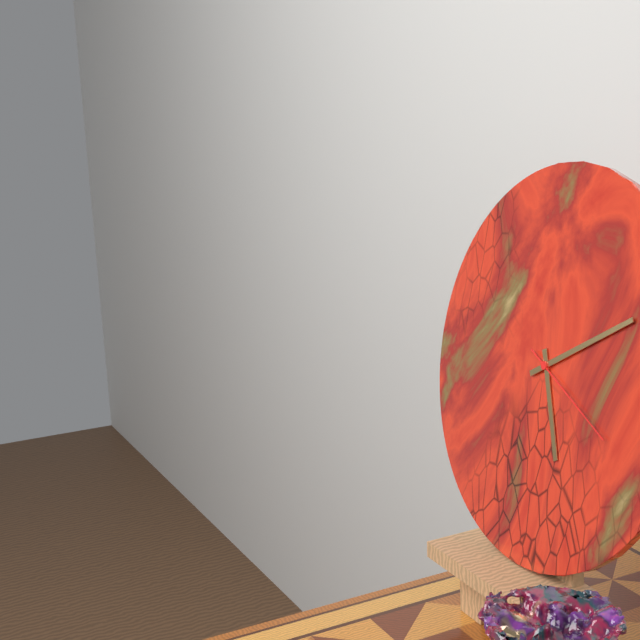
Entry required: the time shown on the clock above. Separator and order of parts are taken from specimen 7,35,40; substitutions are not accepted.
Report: 5,10,19
